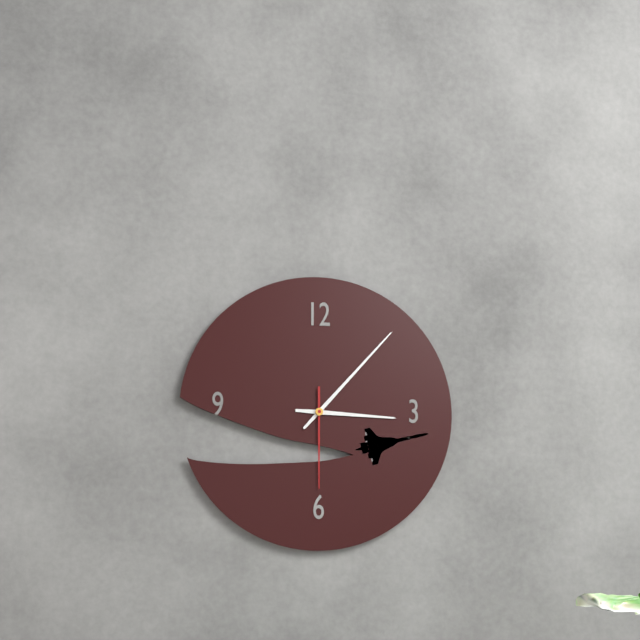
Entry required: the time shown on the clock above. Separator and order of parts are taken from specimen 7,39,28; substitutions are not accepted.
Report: 3,07,30
